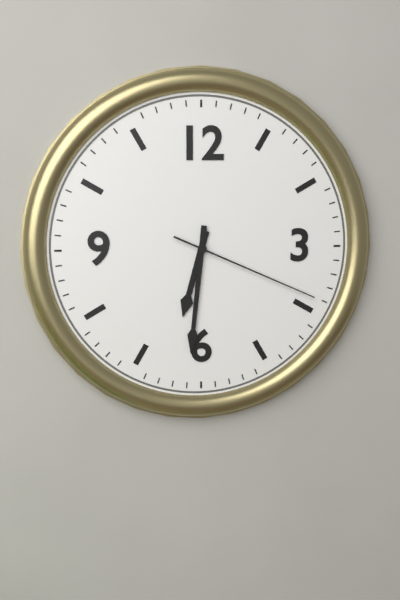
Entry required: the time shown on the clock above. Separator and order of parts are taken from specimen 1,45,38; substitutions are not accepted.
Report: 6,31,19
